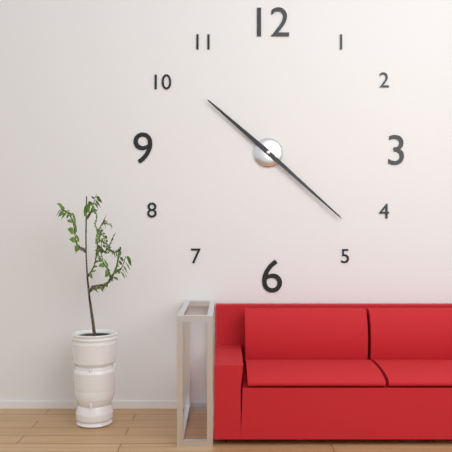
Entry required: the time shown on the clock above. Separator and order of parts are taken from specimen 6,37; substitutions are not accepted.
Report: 10,22
